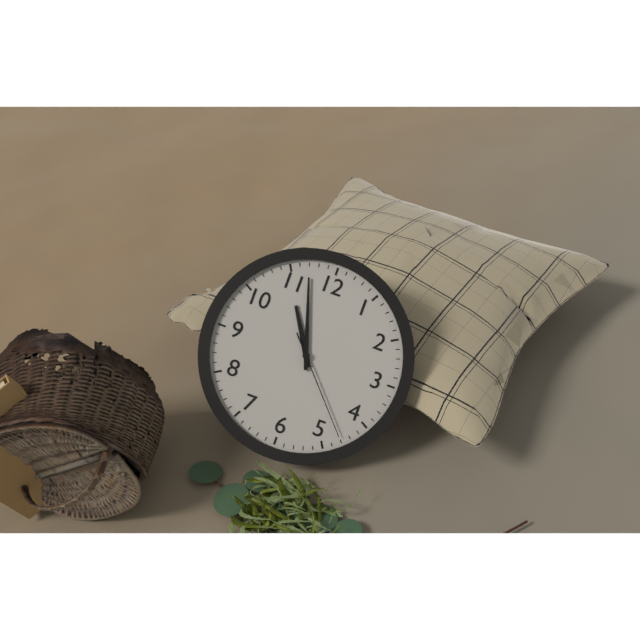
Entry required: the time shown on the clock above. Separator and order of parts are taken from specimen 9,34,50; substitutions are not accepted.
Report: 10,57,23
